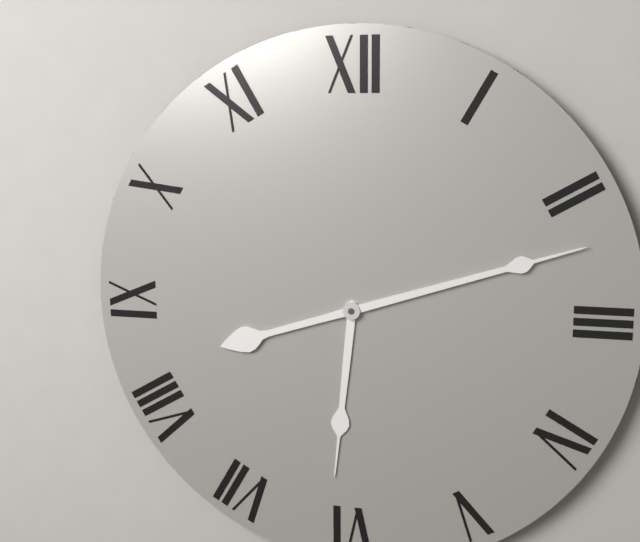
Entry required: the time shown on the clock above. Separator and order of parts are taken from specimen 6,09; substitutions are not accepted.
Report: 6,12
